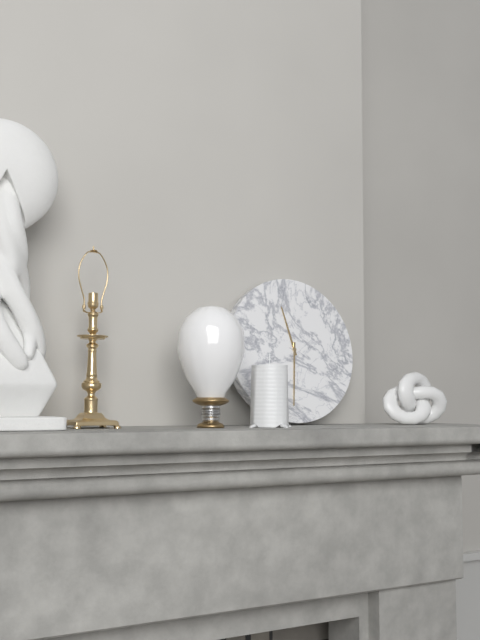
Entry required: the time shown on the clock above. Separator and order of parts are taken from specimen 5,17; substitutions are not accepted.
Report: 11,31
